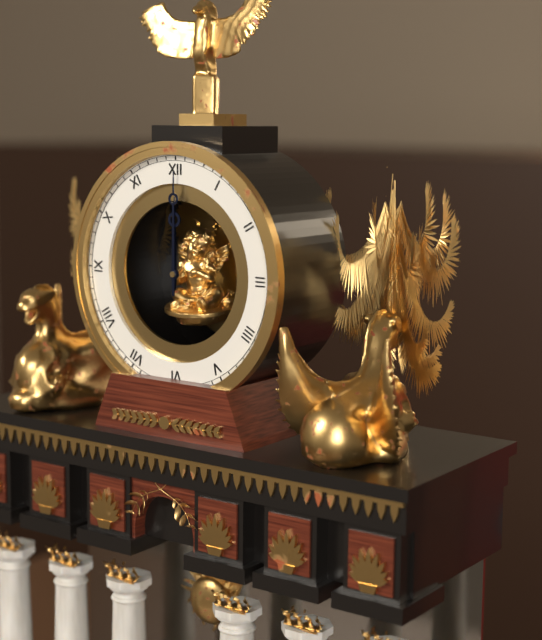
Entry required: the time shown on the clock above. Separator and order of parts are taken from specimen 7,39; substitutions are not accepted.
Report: 12,00
